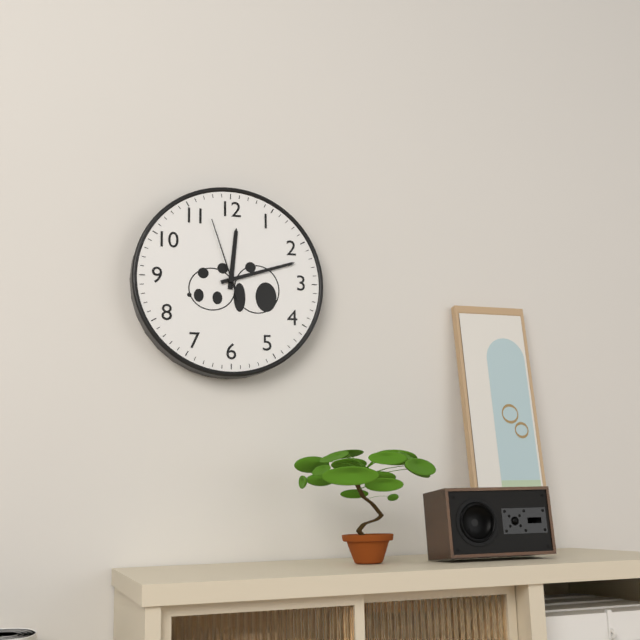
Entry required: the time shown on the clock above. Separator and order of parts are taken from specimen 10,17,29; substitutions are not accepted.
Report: 12,12,57
